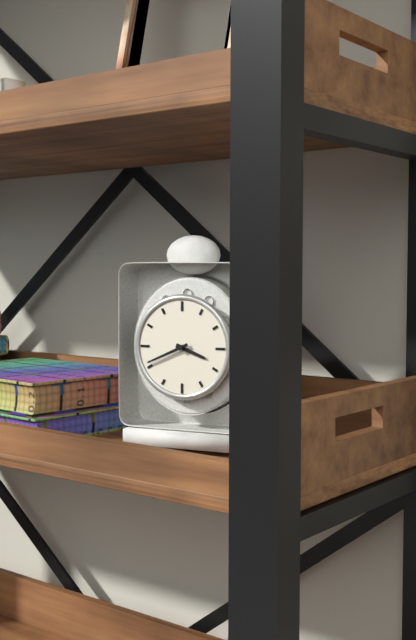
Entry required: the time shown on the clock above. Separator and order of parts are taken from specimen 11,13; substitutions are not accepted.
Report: 3,41
